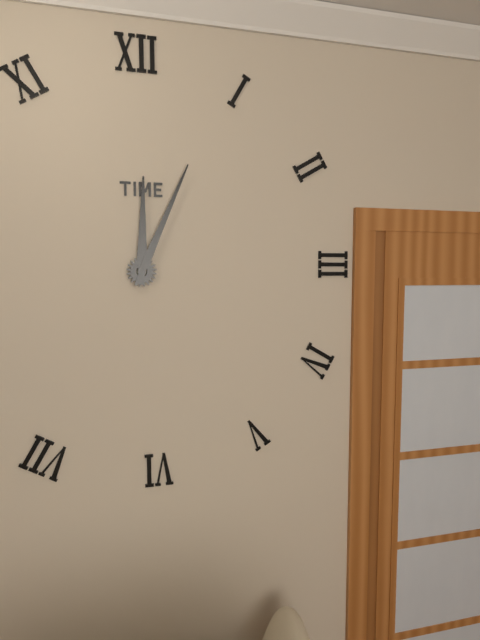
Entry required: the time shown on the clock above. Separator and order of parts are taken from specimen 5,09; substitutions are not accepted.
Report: 12,04
